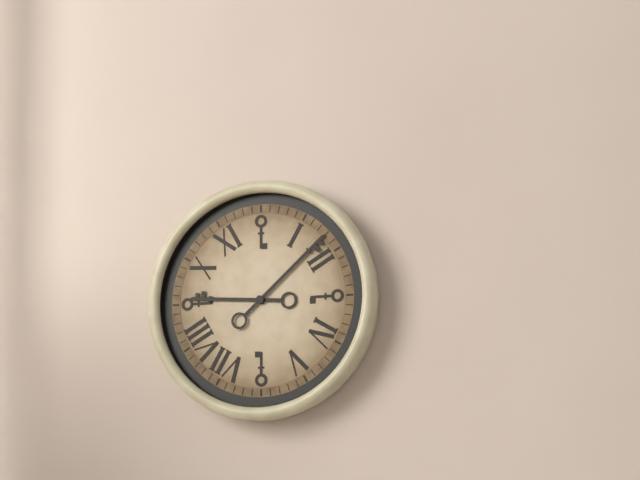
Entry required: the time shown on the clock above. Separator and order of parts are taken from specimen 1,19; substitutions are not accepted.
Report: 9,08
